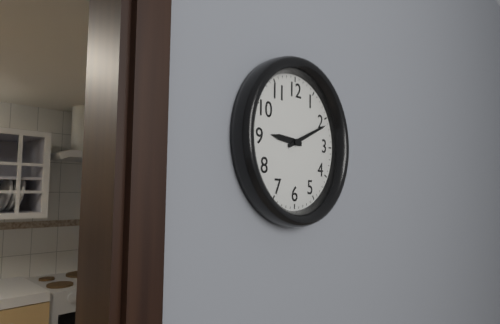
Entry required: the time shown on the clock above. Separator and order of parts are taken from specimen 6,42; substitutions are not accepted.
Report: 9,11
